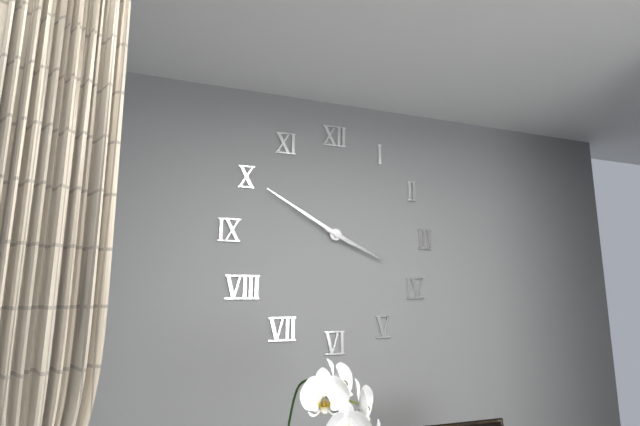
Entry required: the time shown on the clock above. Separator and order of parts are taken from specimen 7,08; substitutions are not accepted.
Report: 3,50
